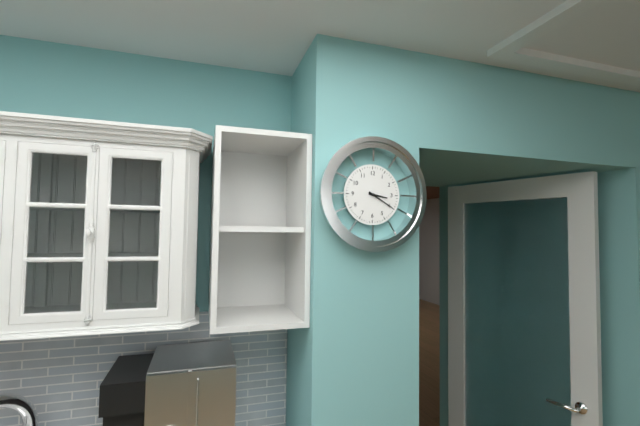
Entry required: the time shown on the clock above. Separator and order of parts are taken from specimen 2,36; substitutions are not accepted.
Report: 3,20
